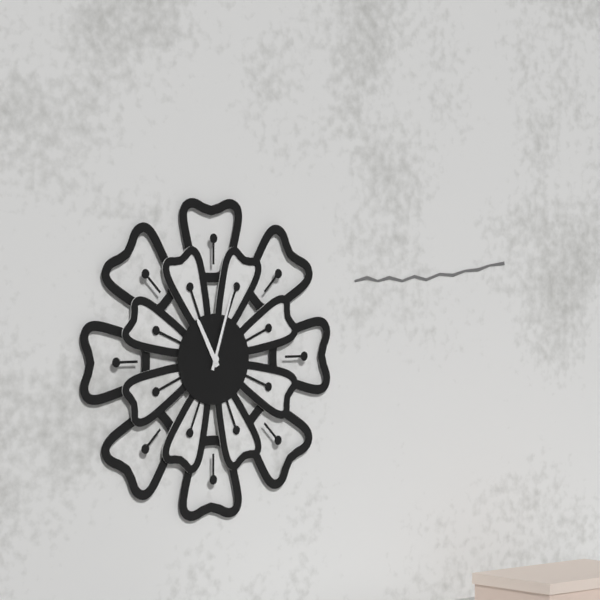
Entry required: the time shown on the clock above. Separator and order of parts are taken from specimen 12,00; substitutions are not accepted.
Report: 11,03
